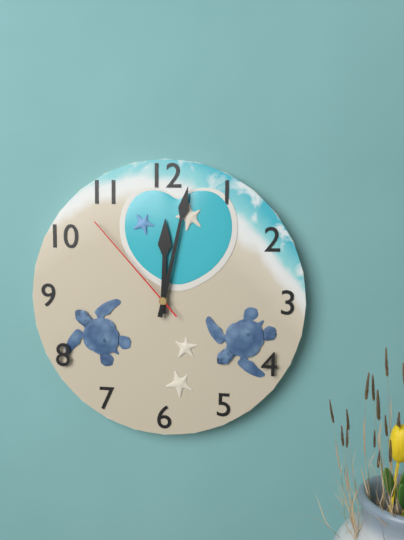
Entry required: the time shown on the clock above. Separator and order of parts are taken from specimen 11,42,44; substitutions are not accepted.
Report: 12,02,53
